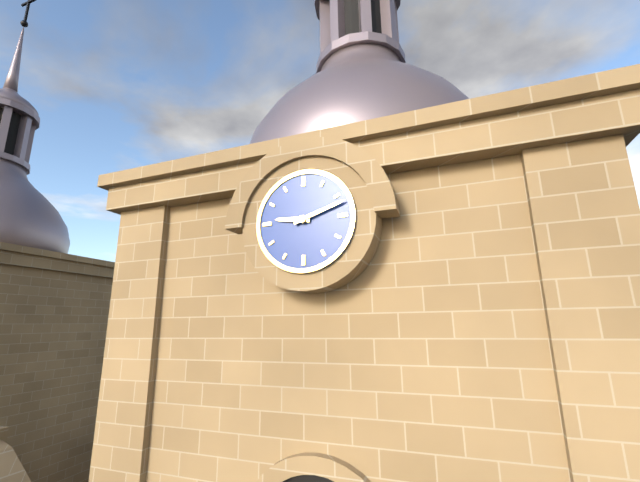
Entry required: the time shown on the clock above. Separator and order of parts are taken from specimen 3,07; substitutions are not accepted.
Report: 9,12
